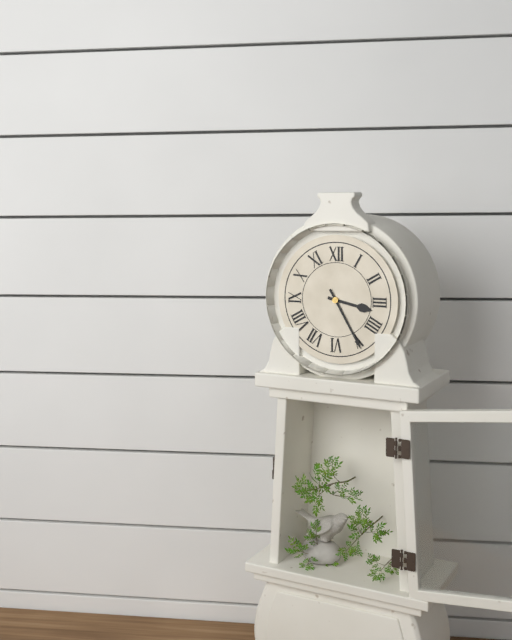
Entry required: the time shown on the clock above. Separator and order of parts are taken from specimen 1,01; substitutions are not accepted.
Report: 3,25
